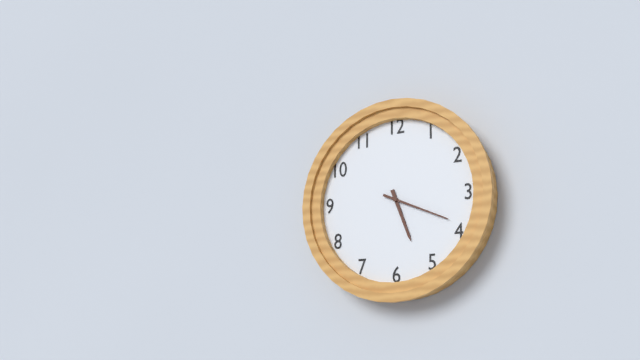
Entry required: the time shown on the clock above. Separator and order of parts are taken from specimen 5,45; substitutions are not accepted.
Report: 5,19
